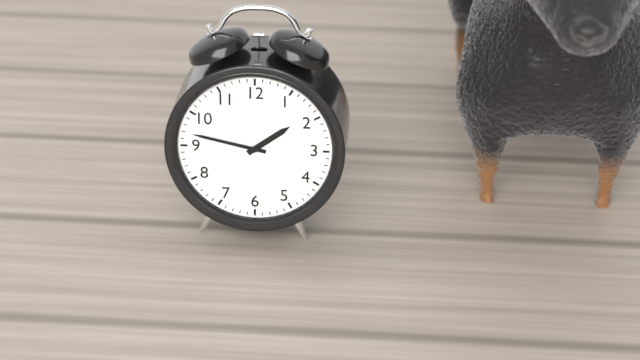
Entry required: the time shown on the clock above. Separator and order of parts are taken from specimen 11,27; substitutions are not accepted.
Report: 1,47
